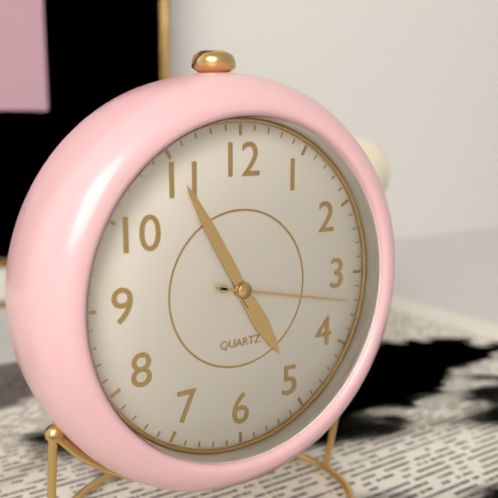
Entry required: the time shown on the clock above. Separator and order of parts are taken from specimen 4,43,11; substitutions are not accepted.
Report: 4,55,17
